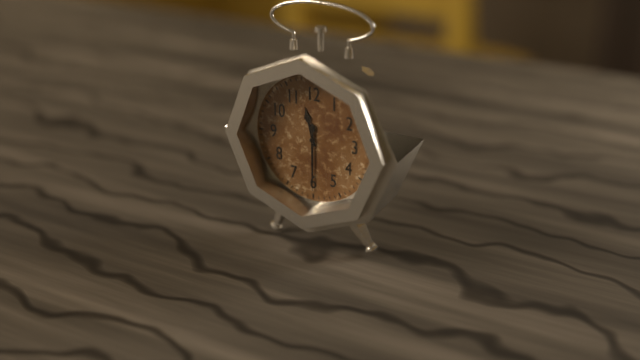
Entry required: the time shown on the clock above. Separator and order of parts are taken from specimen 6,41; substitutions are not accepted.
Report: 11,30
